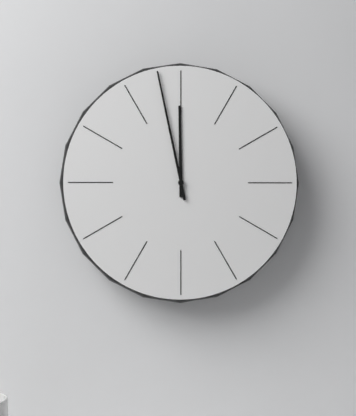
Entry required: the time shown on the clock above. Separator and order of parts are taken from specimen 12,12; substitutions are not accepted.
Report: 11,58
